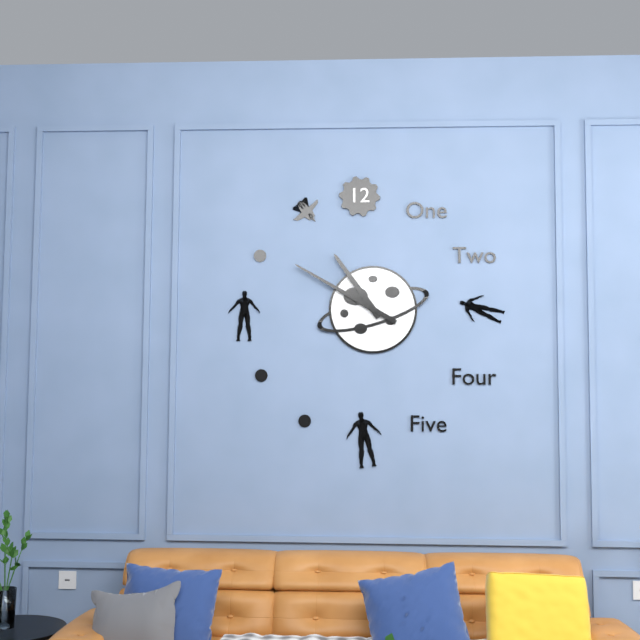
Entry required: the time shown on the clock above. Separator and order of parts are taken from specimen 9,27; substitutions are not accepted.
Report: 10,50
